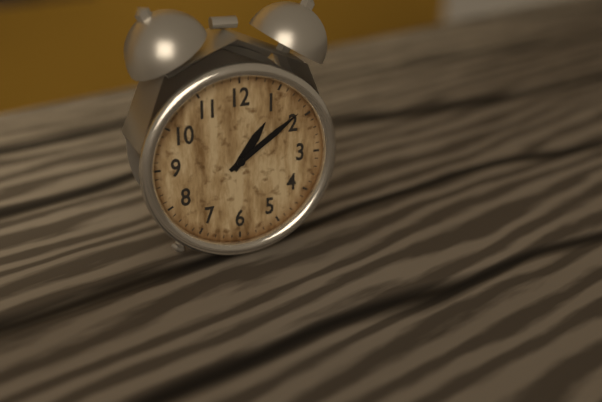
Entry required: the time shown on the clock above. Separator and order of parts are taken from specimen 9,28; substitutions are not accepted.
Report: 1,09
